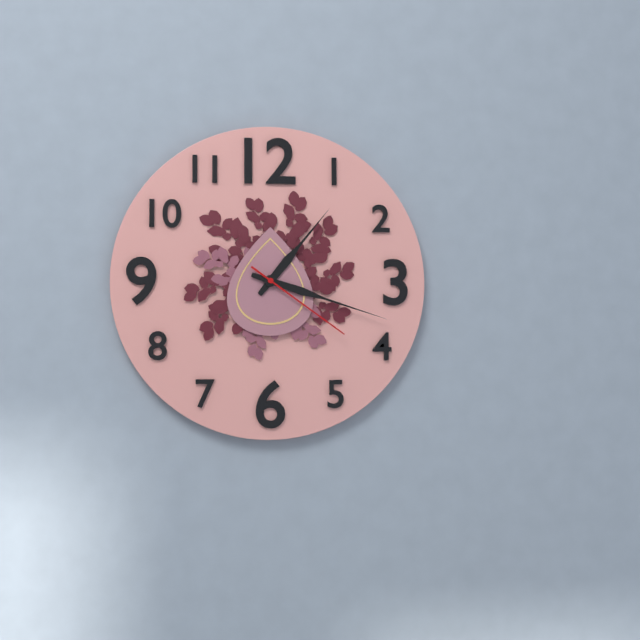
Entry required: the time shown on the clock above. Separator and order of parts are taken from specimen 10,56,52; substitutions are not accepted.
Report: 1,18,21
